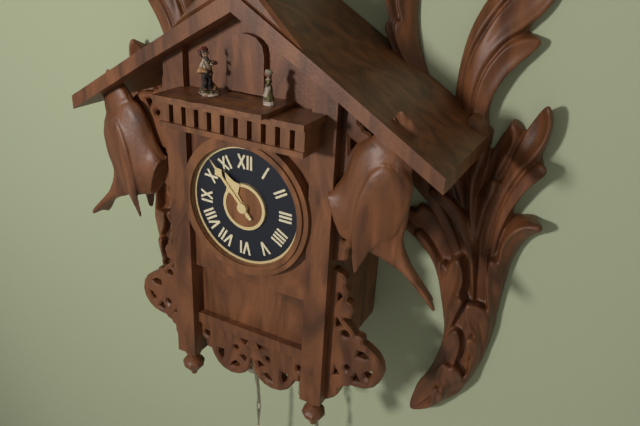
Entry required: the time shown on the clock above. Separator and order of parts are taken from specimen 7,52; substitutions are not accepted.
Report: 10,53
